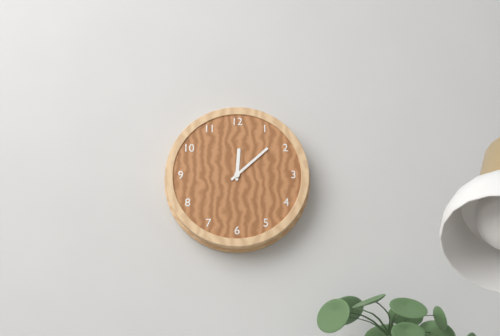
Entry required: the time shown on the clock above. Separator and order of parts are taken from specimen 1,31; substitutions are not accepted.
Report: 12,08
